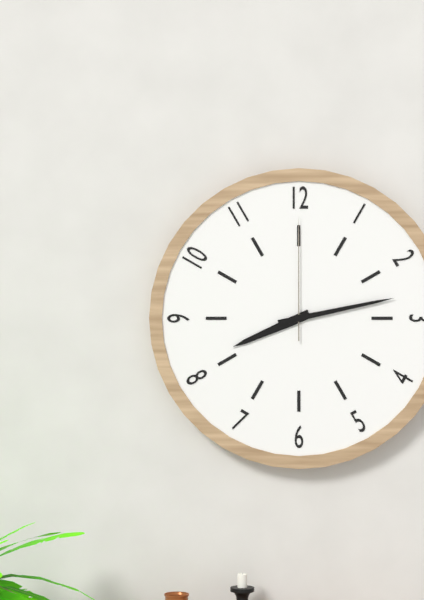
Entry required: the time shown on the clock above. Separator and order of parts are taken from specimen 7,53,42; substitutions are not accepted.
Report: 8,13,00
